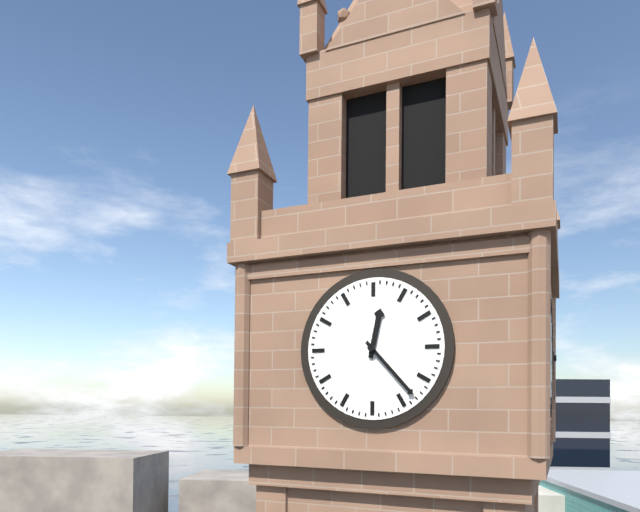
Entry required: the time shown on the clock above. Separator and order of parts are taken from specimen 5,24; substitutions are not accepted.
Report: 12,23
